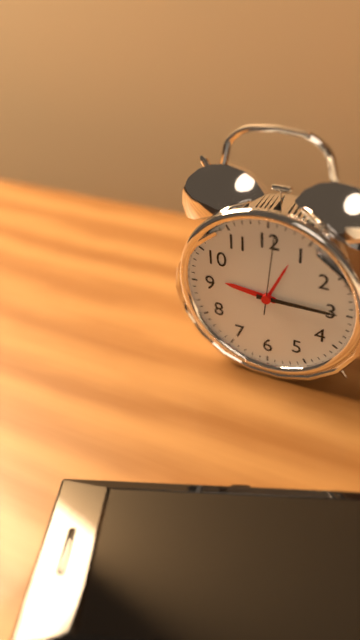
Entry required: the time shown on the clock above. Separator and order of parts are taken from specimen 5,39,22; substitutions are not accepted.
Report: 9,15,01
